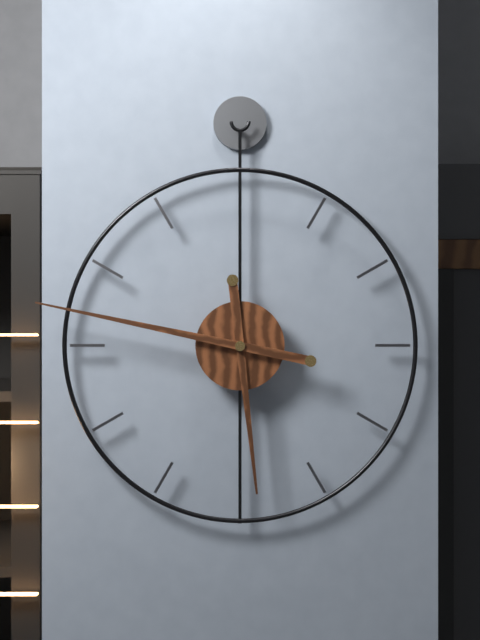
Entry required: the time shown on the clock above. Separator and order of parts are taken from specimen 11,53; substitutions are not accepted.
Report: 5,47
